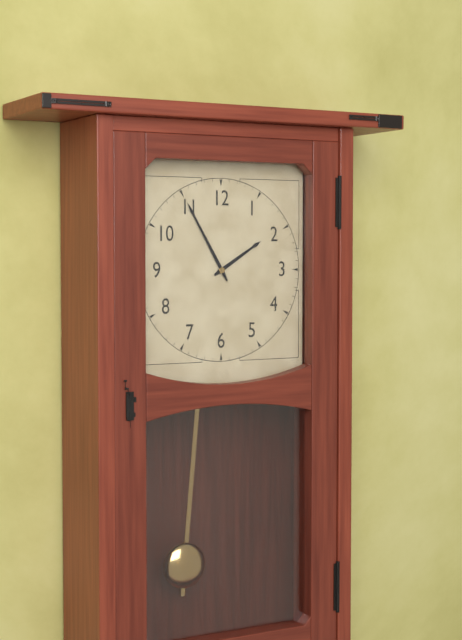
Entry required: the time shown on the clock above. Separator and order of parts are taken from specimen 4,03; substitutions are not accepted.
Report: 1,55
